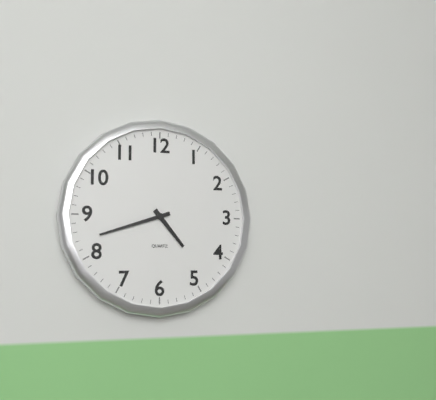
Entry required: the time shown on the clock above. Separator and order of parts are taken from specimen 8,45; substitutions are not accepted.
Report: 4,42
